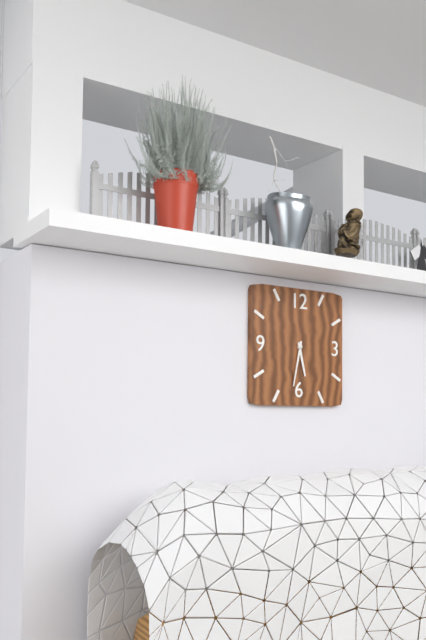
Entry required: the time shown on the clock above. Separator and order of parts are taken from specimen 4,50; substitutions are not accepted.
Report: 5,32
